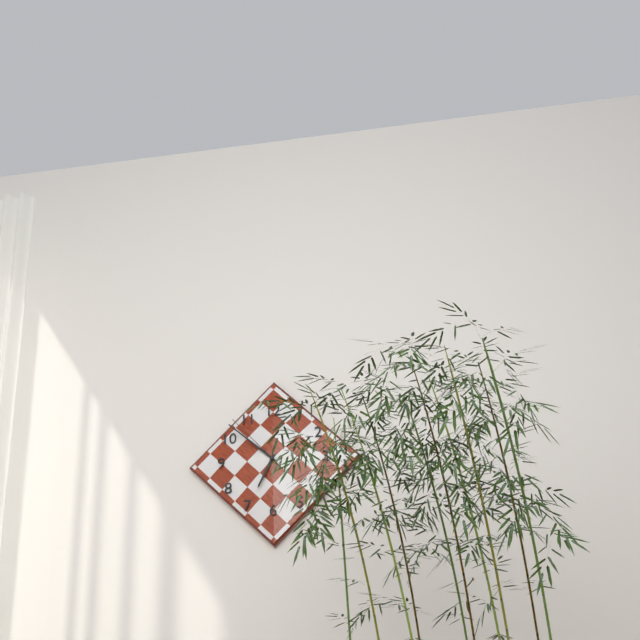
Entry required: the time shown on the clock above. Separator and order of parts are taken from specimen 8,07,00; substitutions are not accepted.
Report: 6,52,53
